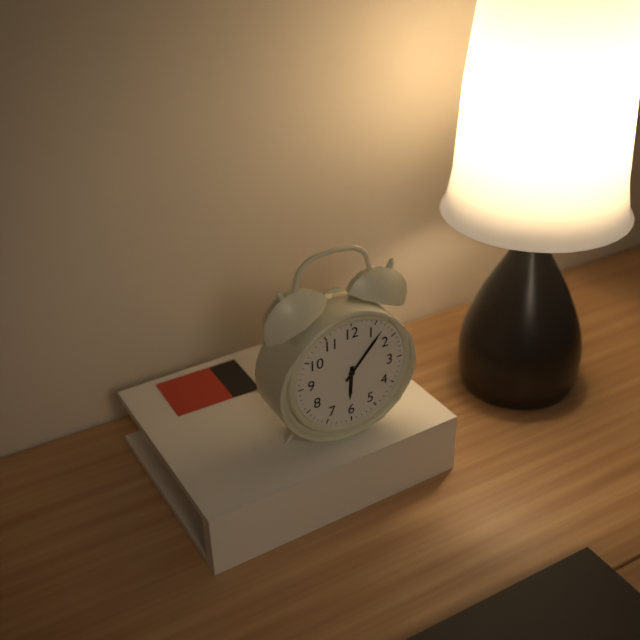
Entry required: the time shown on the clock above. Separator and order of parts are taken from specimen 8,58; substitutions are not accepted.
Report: 6,07
